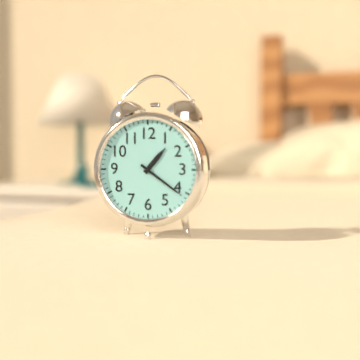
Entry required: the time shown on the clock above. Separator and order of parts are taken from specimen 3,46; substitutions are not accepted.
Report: 1,21
